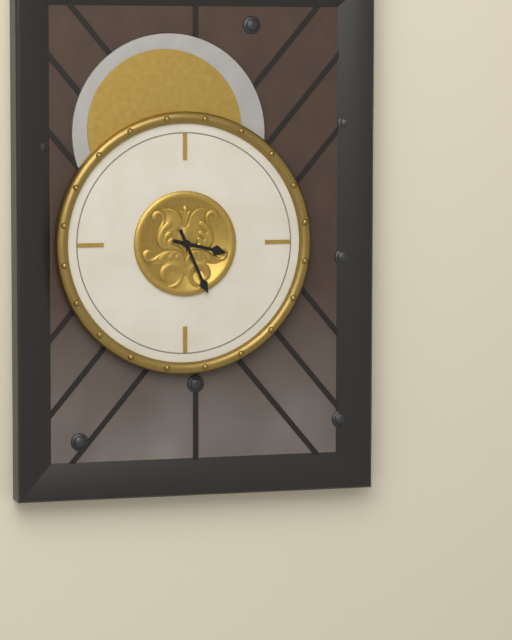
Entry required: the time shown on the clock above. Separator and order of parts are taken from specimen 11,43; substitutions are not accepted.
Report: 3,26
